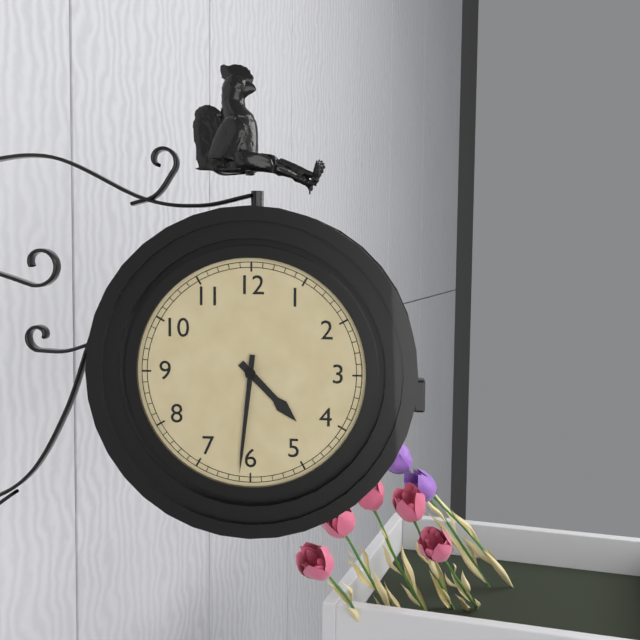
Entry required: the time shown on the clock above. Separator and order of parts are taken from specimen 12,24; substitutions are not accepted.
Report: 4,31
